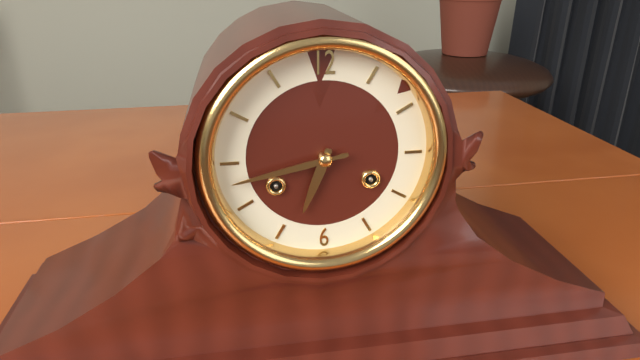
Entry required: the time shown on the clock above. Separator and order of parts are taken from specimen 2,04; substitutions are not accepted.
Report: 6,43
